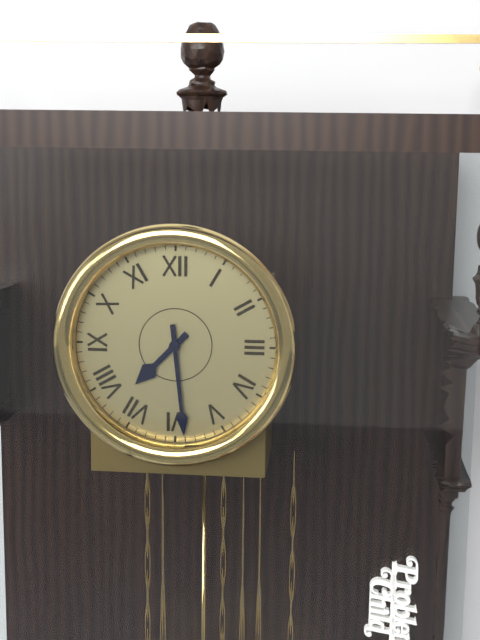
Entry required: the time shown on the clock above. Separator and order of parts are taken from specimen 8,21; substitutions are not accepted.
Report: 7,29
